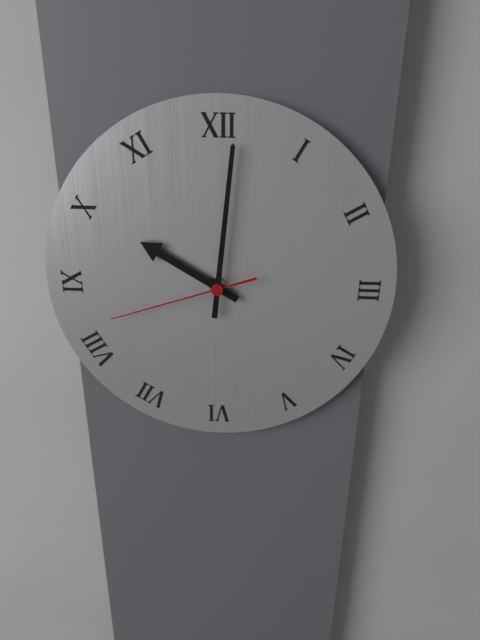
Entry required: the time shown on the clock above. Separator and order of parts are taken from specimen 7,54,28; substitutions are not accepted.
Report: 10,01,42
